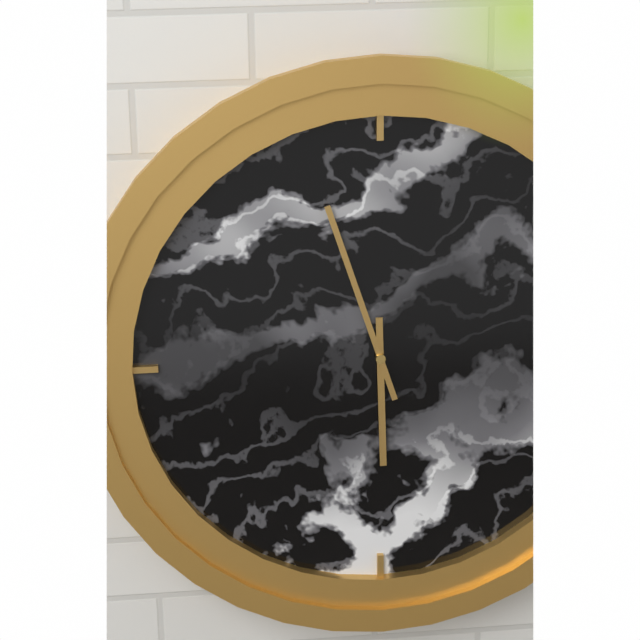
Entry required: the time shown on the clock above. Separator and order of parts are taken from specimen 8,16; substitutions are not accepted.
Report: 5,57
